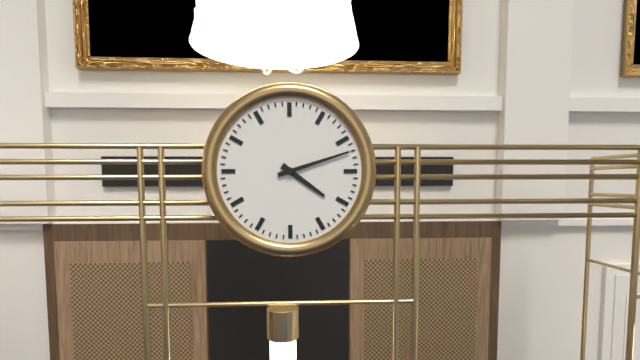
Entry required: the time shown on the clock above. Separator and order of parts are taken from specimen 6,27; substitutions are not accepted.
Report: 4,12
